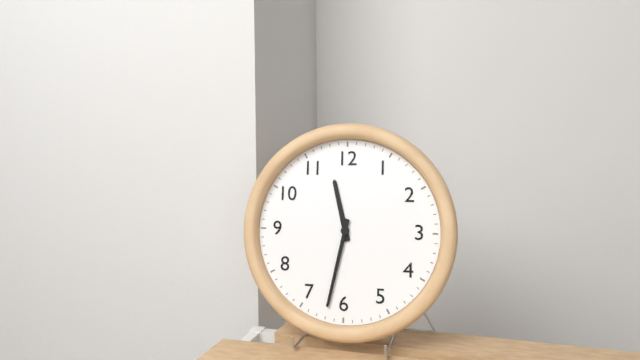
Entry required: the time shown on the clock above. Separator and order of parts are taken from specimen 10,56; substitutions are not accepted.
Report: 11,32
